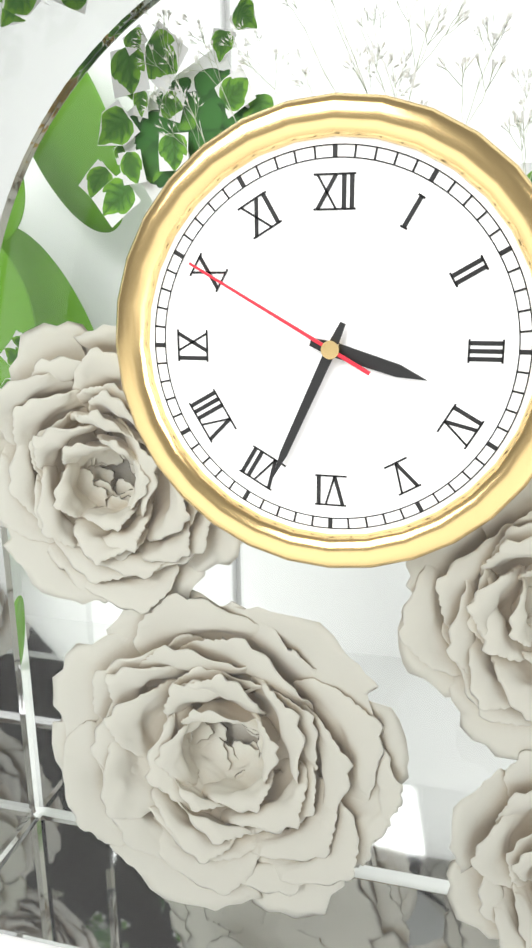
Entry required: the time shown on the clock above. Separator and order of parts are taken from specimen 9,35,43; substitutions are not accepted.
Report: 3,34,50
